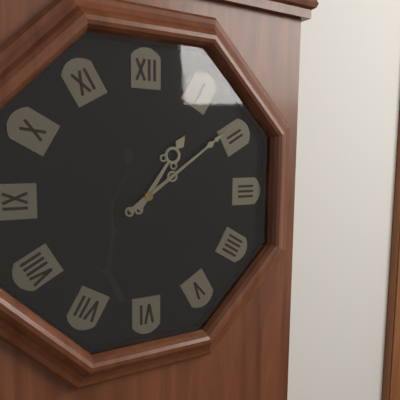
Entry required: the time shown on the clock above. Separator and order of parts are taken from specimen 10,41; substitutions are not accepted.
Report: 1,09
